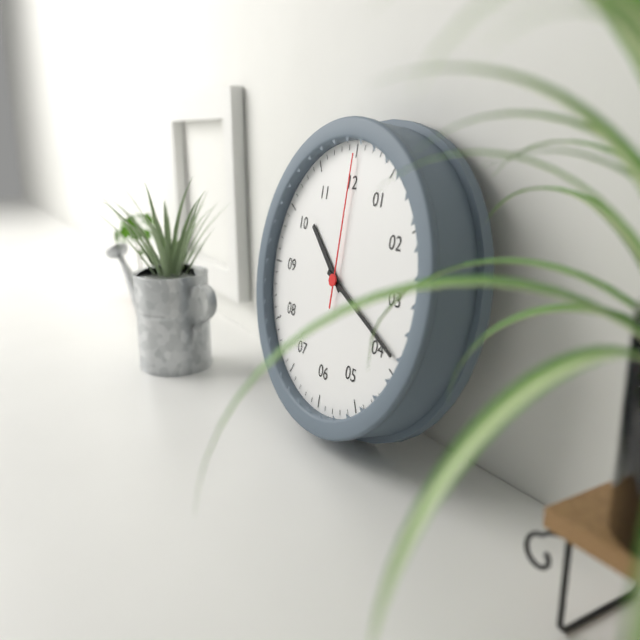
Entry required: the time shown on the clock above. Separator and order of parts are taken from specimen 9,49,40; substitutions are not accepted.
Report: 10,19,00
